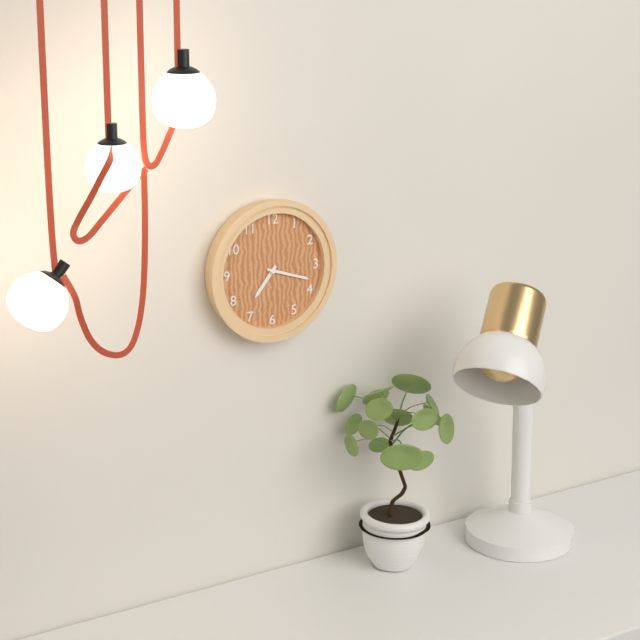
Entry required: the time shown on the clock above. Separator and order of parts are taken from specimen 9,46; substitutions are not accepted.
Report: 7,18
